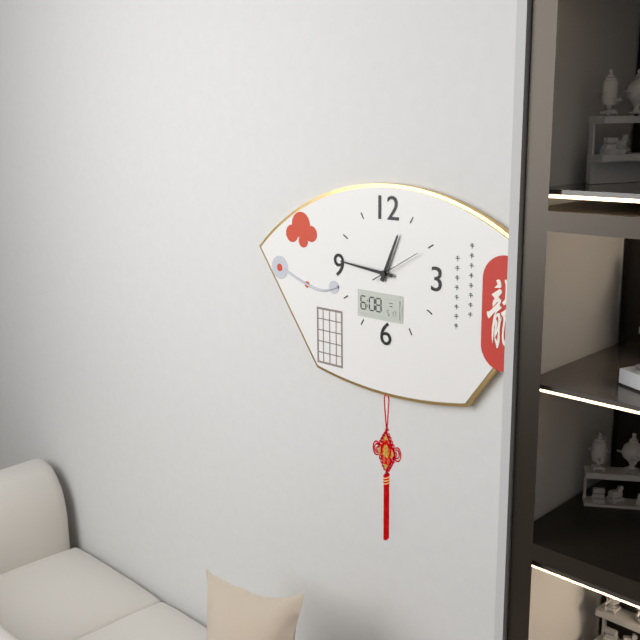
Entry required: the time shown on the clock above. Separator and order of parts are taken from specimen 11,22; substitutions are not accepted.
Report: 12,46
